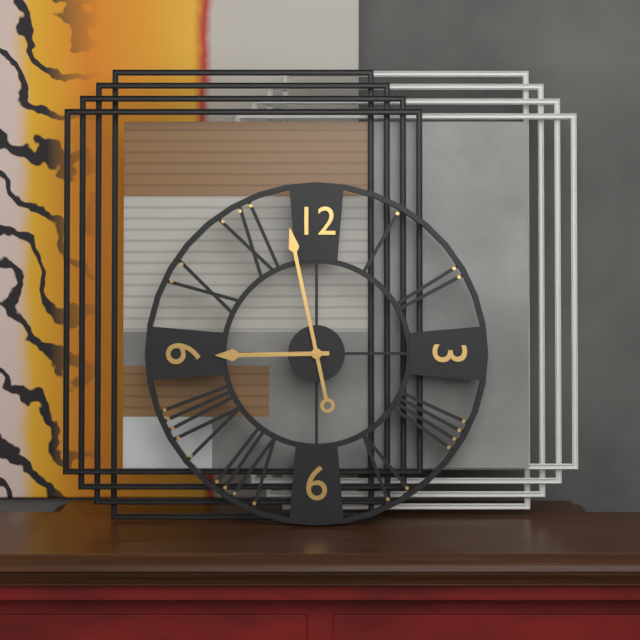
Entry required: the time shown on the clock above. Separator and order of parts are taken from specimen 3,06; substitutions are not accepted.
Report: 8,58
